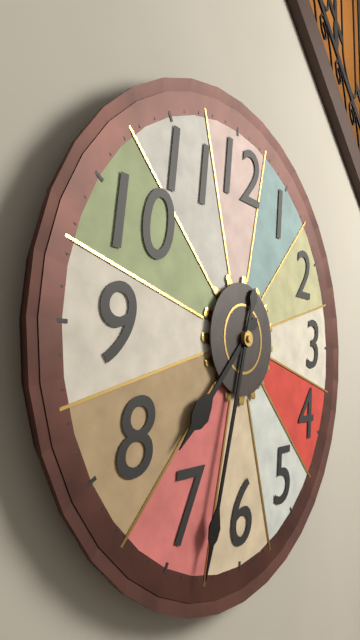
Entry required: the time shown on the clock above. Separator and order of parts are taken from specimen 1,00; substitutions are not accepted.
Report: 7,33
